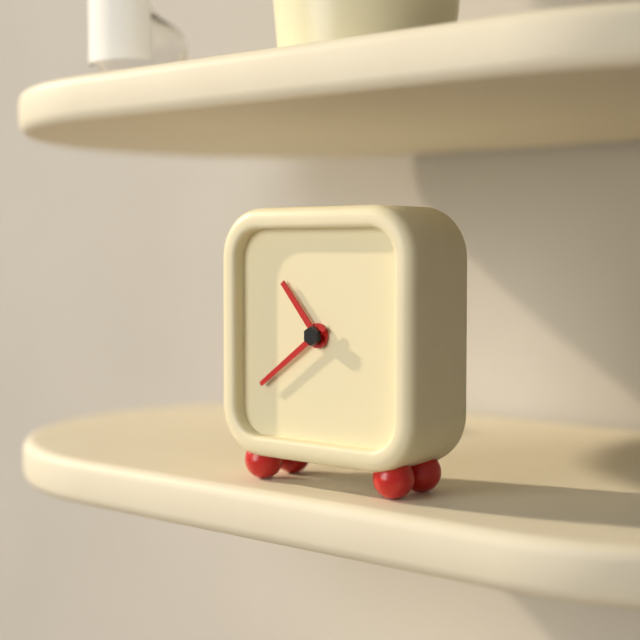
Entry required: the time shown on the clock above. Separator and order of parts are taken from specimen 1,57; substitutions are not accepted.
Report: 10,39
